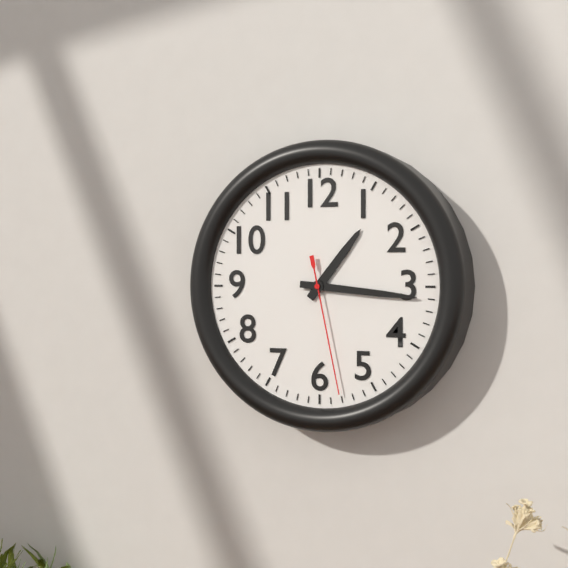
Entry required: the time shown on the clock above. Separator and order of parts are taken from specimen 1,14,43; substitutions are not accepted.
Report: 1,16,28
